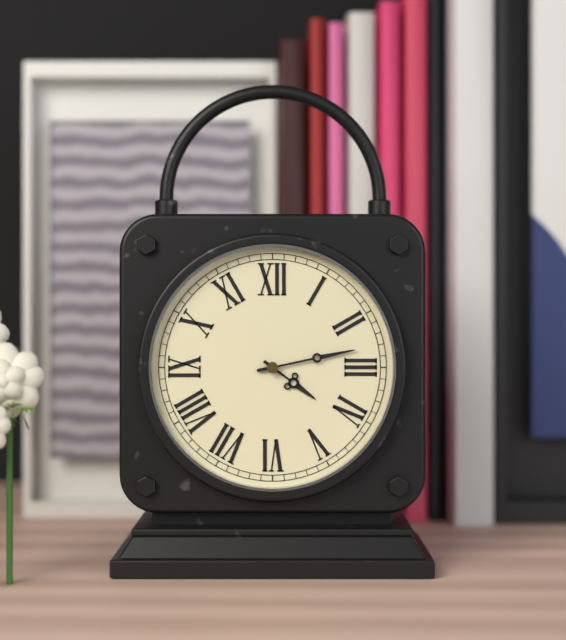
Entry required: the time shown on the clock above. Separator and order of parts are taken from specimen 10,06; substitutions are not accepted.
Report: 4,13
